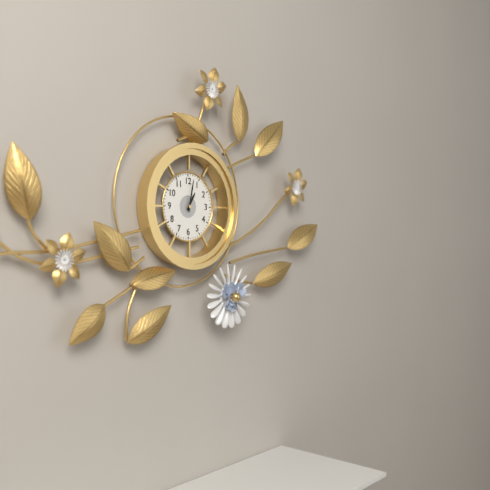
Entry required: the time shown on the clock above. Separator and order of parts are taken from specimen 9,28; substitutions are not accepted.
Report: 1,02
